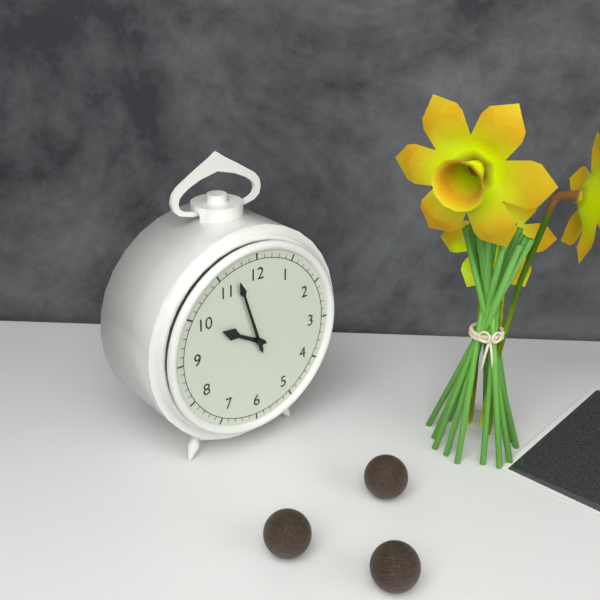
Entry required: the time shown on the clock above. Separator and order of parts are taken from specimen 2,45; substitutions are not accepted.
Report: 9,57
